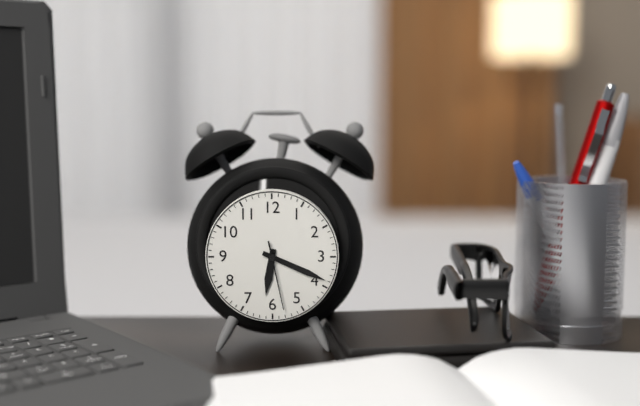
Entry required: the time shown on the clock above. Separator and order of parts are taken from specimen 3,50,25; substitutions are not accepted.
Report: 6,19,28
